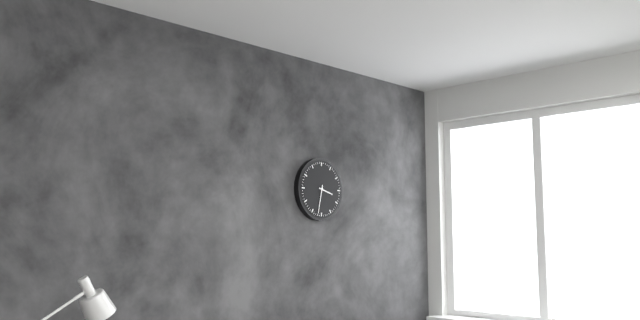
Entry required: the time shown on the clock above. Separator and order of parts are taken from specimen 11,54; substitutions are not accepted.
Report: 3,32
